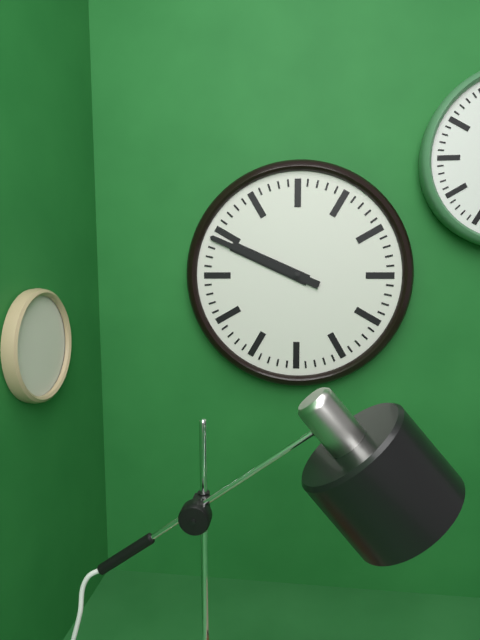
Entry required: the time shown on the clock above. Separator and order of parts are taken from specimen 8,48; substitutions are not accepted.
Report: 9,49
